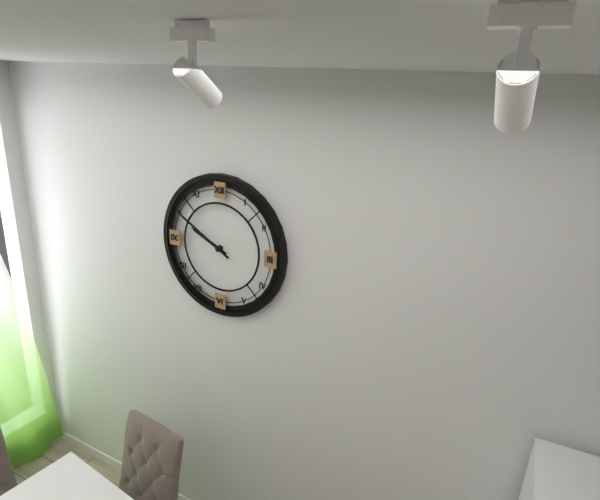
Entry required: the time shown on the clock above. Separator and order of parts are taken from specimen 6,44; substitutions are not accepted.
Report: 9,50
